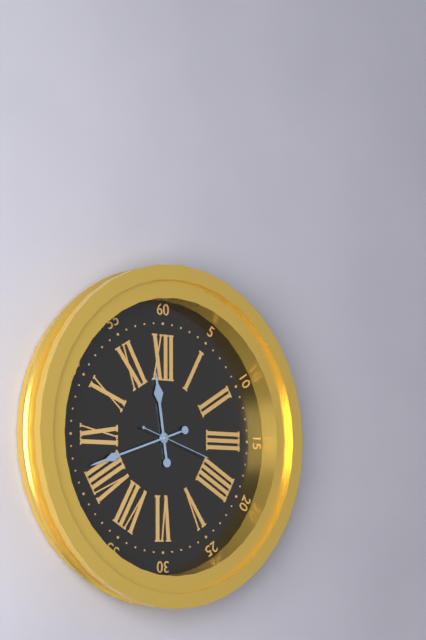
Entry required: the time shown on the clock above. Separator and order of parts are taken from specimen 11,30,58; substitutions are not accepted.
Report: 11,42,18
